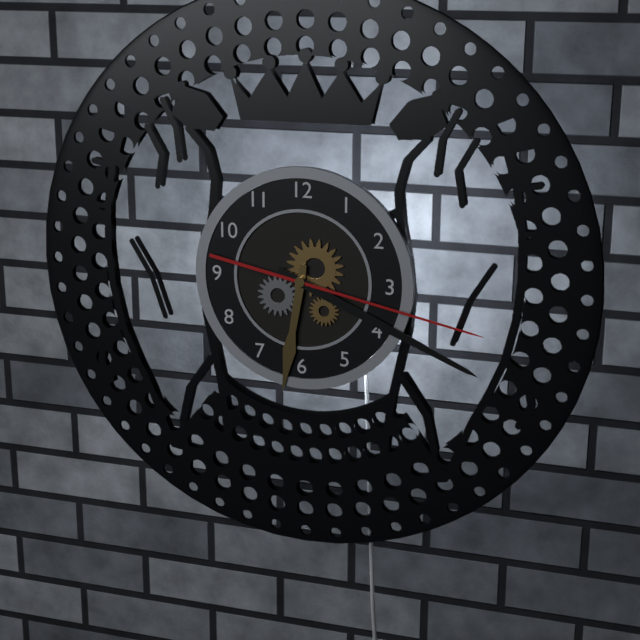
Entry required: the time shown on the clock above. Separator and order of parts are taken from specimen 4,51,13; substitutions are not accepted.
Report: 6,19,17
